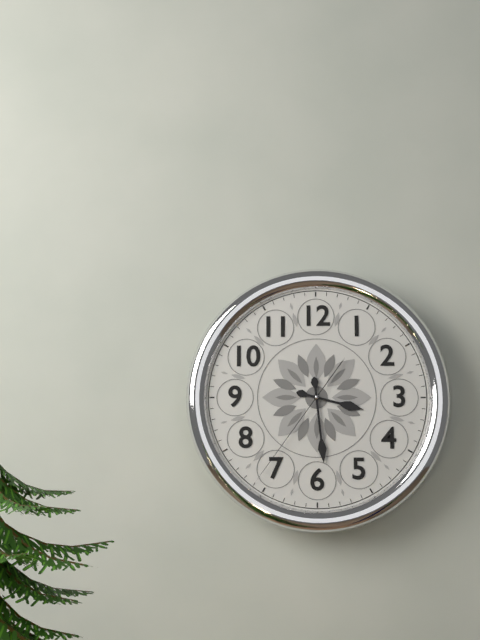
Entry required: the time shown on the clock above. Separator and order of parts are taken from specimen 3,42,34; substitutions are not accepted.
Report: 3,29,36
